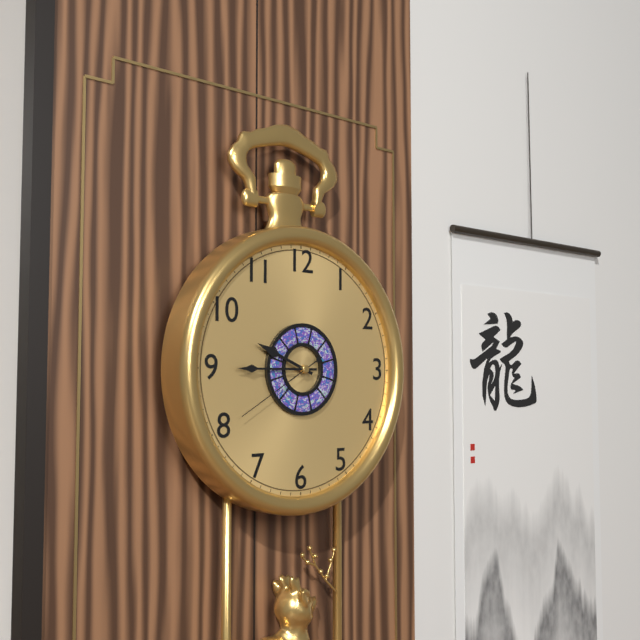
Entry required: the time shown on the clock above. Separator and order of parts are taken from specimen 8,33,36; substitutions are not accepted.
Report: 9,45,40
